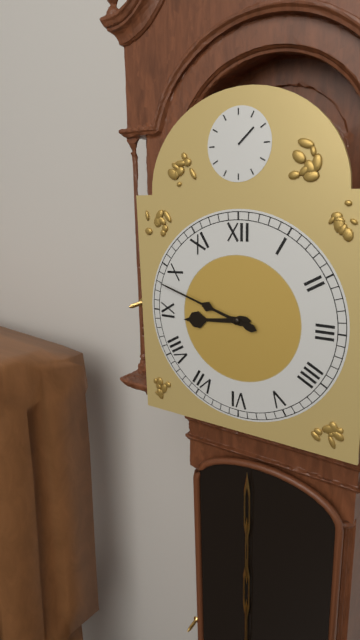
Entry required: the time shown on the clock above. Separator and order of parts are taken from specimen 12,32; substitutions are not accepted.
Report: 8,48
